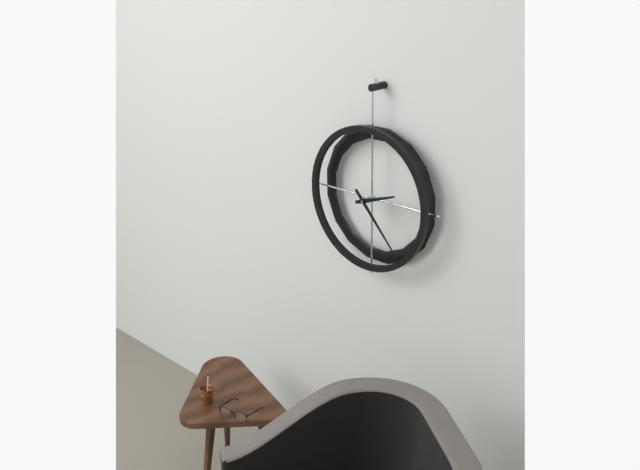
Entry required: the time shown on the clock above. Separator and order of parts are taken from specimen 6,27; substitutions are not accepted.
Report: 2,23
